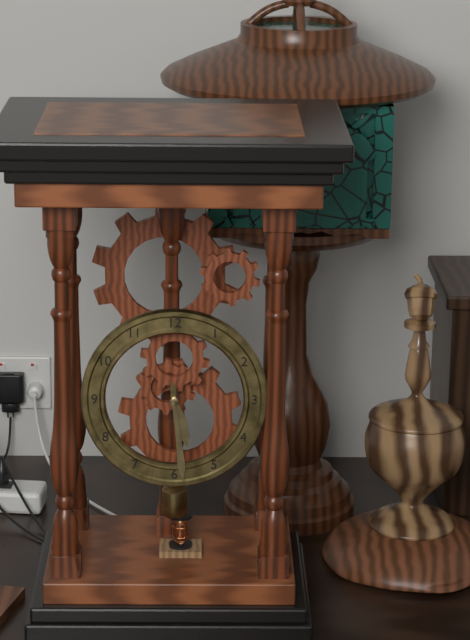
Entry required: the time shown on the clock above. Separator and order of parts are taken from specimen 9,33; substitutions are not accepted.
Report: 5,29
